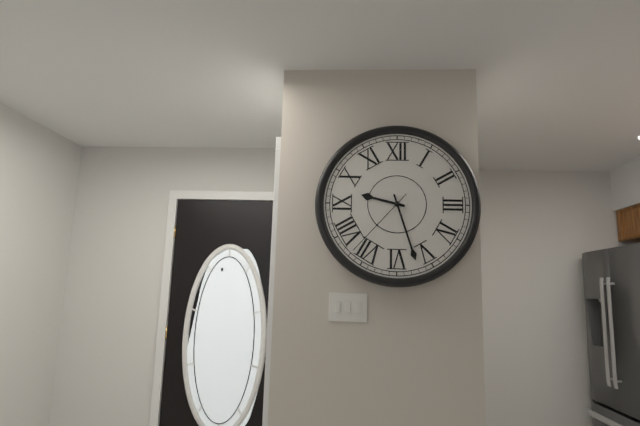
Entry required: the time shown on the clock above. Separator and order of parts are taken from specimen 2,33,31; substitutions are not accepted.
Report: 9,27,37
